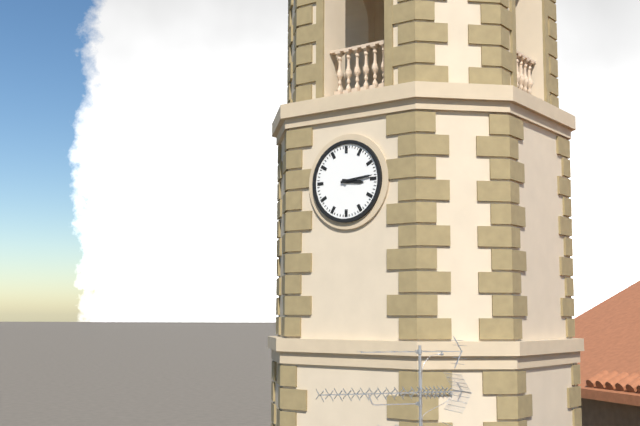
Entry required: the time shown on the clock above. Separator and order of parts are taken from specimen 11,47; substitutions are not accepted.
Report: 3,14
